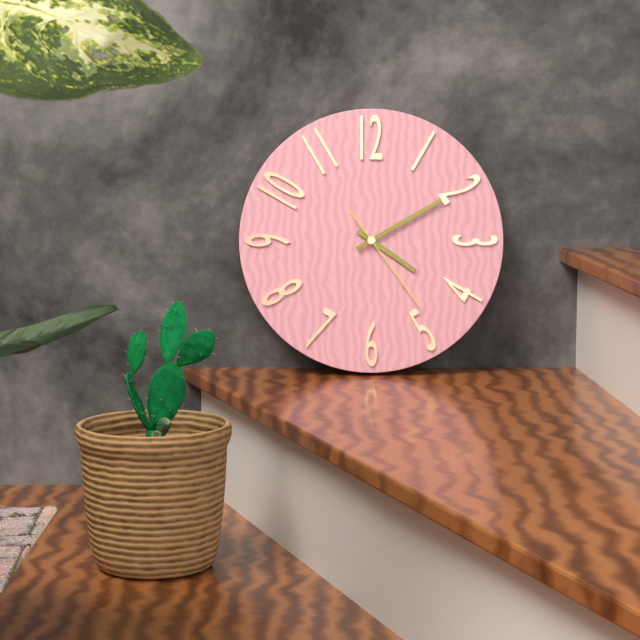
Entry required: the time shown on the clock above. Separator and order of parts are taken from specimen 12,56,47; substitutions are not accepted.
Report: 4,10,24
